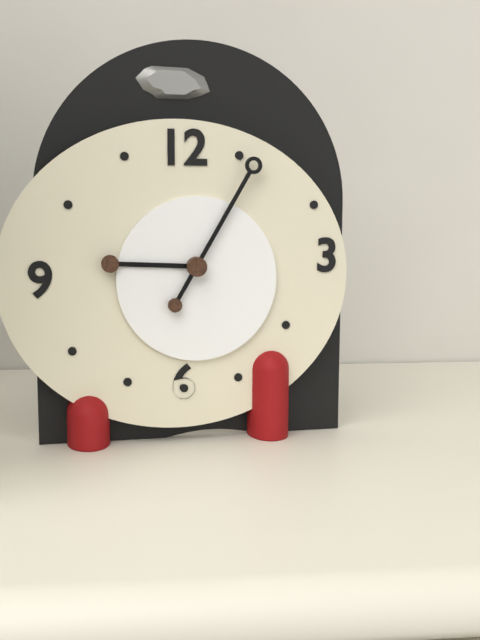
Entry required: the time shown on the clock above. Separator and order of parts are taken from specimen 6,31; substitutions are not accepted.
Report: 9,05
